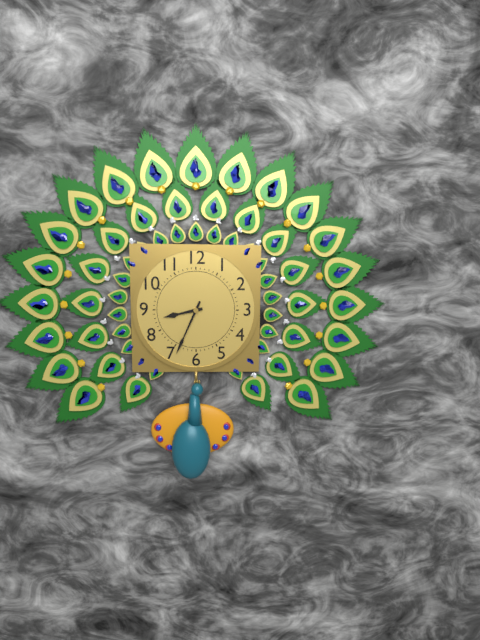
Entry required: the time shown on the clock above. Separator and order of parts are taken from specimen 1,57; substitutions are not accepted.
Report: 8,34
